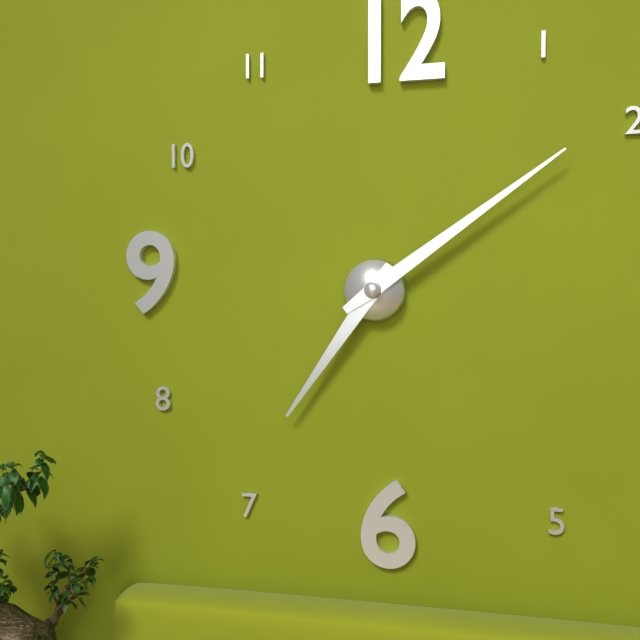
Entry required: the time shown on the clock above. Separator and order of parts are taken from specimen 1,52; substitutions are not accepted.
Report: 7,09
